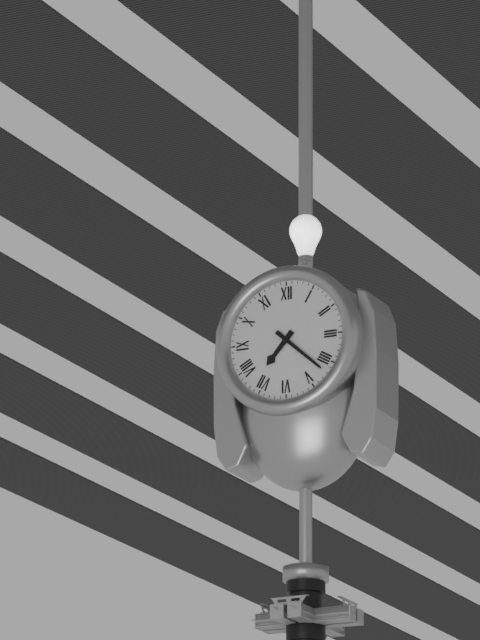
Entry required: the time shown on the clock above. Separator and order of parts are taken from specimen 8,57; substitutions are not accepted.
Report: 7,22
